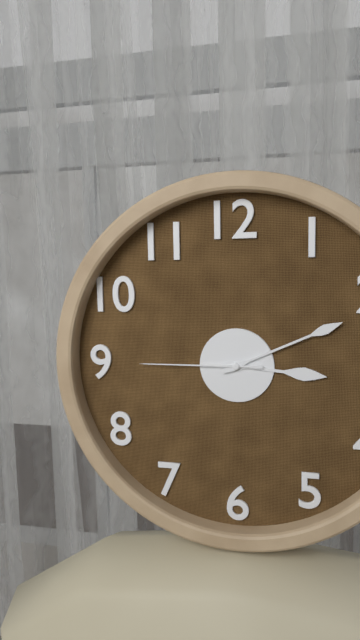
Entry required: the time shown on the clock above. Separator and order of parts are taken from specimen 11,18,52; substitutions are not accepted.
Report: 3,11,45
